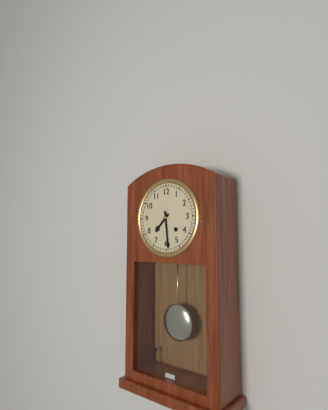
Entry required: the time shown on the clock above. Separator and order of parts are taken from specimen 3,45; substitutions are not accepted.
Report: 7,29
